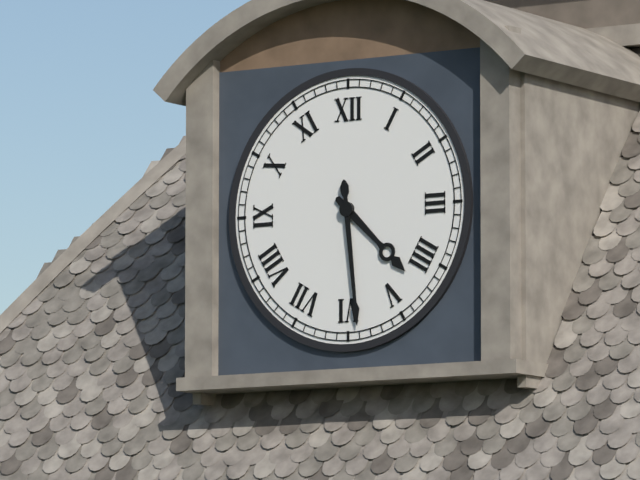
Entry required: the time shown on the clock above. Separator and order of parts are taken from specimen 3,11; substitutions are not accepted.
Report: 4,29
